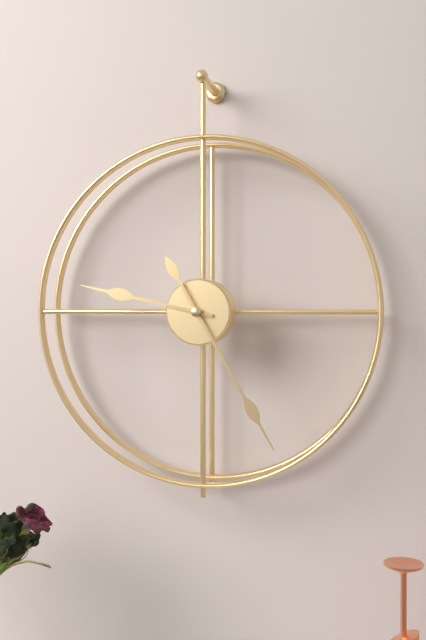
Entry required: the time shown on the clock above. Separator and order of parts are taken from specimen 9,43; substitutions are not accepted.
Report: 9,25
